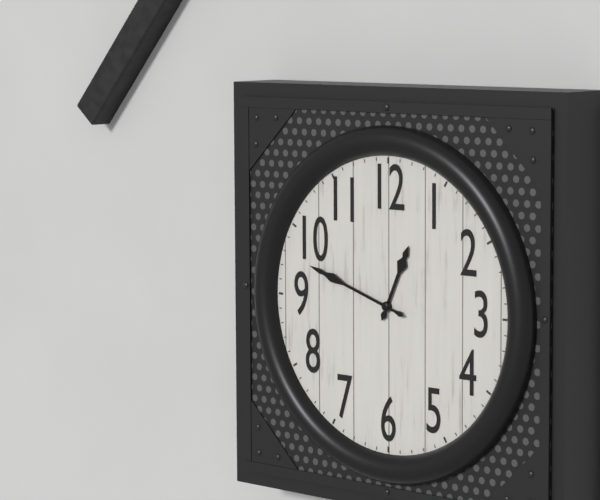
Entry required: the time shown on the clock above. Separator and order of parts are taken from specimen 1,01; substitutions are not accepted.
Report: 12,48
